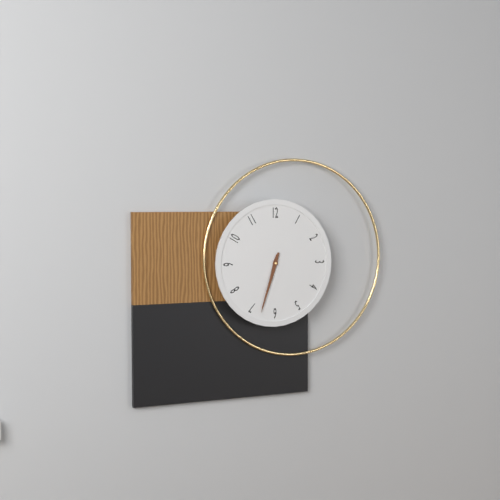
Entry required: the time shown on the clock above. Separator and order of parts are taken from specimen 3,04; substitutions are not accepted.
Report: 6,33
